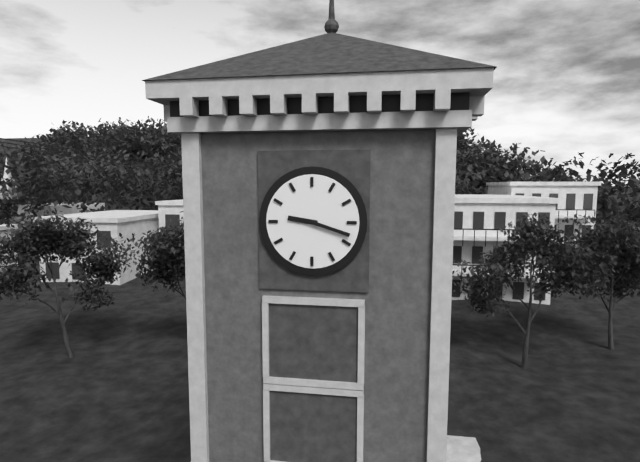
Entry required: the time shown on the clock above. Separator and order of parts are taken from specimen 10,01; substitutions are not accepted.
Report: 9,18
